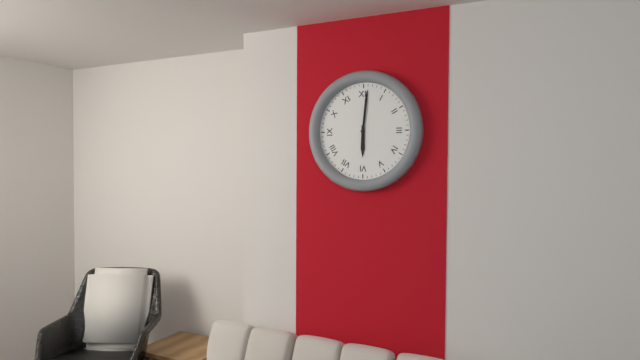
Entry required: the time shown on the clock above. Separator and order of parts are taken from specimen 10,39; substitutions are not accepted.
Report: 6,01
